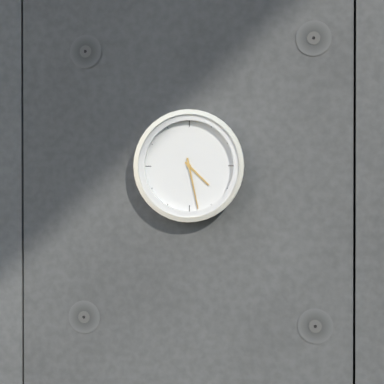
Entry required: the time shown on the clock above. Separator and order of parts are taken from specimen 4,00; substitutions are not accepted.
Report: 4,28
